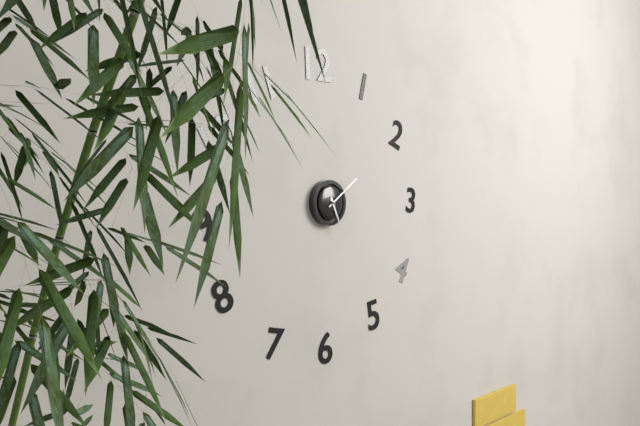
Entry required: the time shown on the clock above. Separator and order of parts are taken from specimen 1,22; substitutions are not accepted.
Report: 5,09
